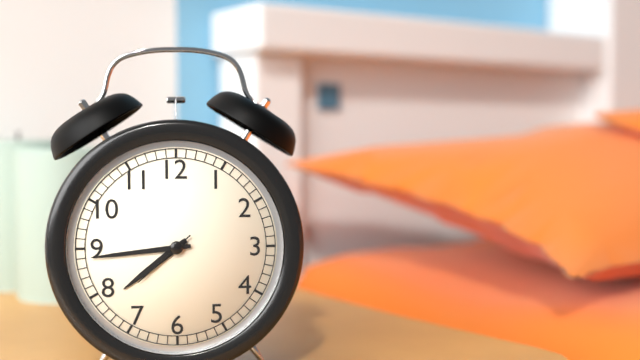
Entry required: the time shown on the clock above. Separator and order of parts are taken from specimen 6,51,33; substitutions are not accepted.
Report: 7,44,38
